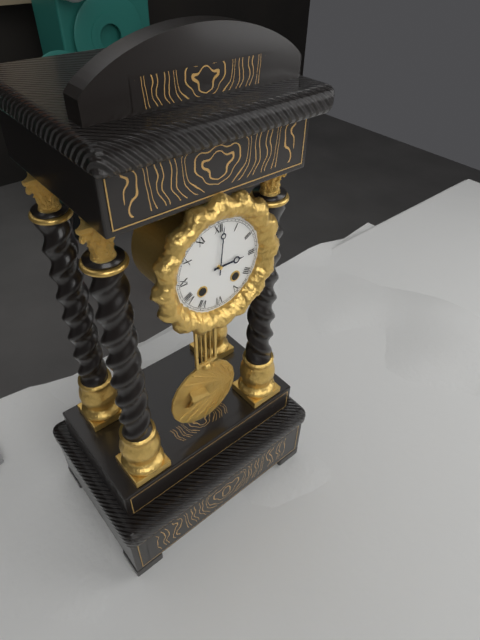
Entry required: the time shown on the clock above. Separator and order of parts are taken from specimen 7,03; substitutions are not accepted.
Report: 3,01
